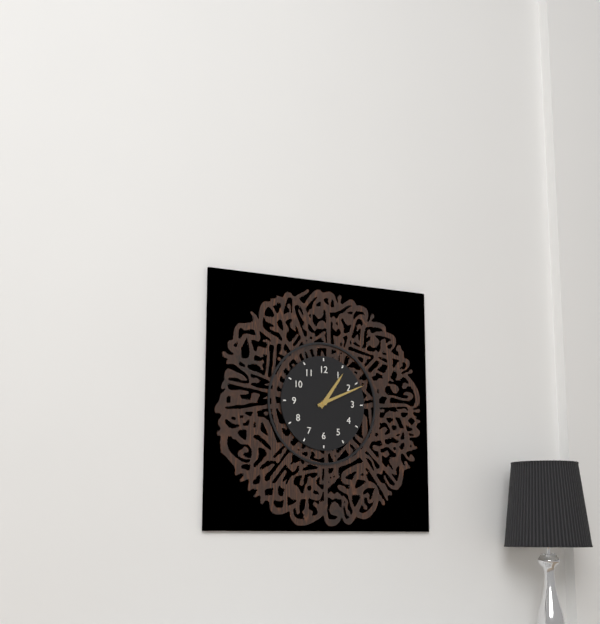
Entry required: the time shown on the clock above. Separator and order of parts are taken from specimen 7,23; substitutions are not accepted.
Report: 1,11
